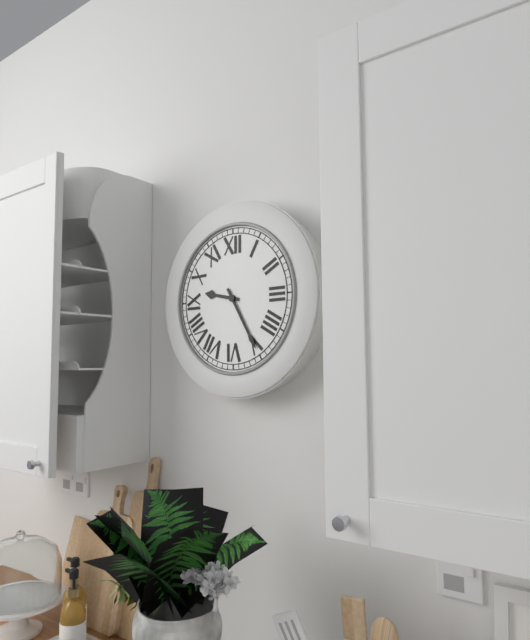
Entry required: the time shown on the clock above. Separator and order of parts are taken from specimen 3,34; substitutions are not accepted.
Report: 9,25
